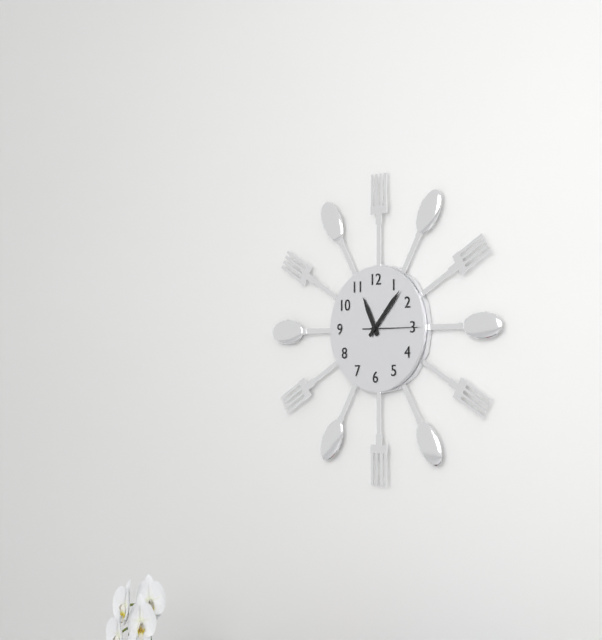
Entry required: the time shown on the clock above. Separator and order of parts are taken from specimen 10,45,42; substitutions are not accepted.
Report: 11,07,15
